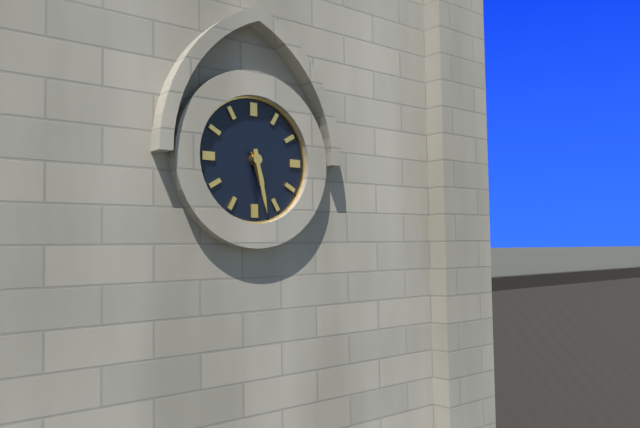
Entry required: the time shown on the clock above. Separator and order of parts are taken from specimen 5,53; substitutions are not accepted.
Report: 5,28
